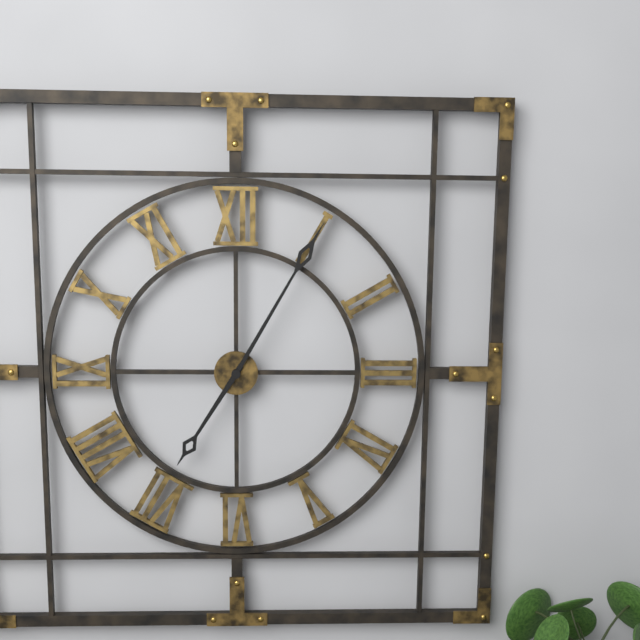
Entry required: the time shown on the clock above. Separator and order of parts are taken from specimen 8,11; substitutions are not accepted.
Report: 7,05
